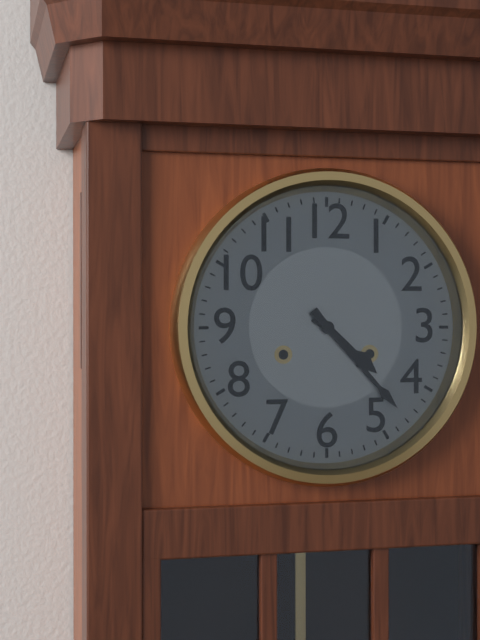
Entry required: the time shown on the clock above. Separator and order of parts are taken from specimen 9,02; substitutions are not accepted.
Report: 4,23
